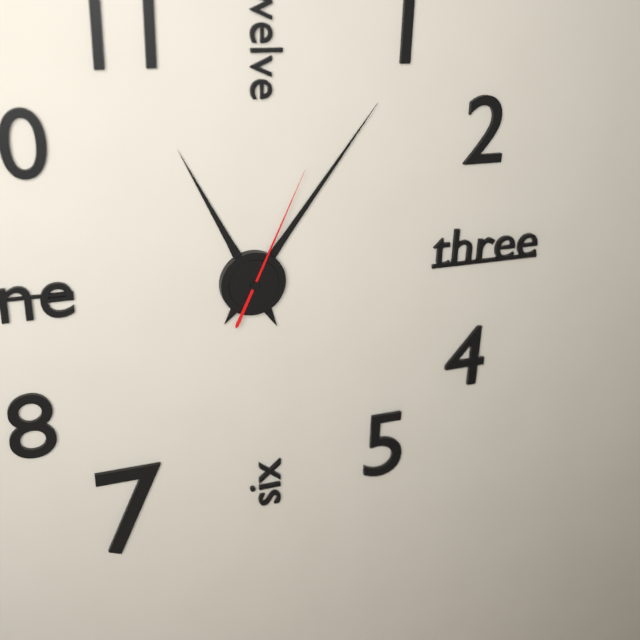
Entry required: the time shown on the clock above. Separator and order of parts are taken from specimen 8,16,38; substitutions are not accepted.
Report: 11,06,04
